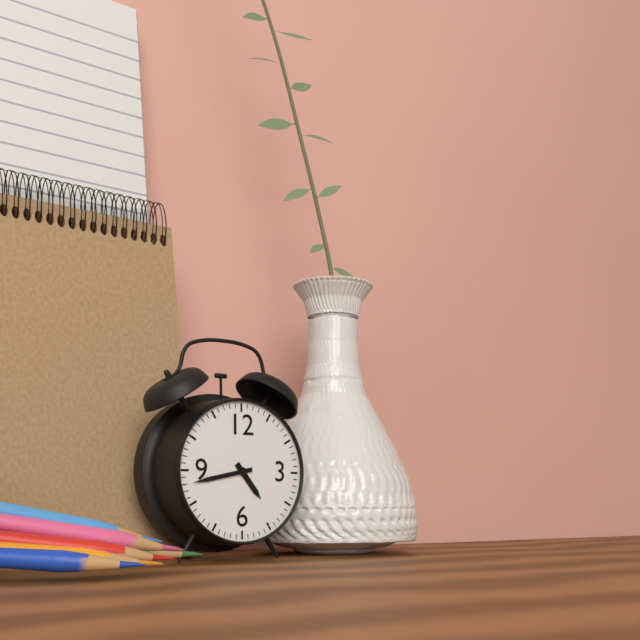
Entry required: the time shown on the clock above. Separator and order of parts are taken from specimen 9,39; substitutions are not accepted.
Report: 4,43
